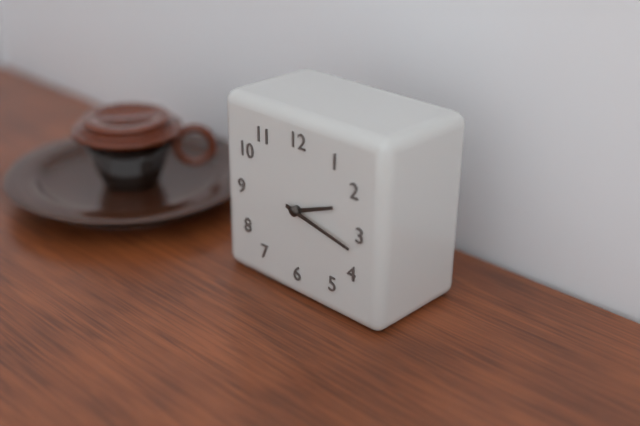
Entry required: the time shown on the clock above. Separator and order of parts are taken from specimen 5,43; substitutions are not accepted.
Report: 2,17
